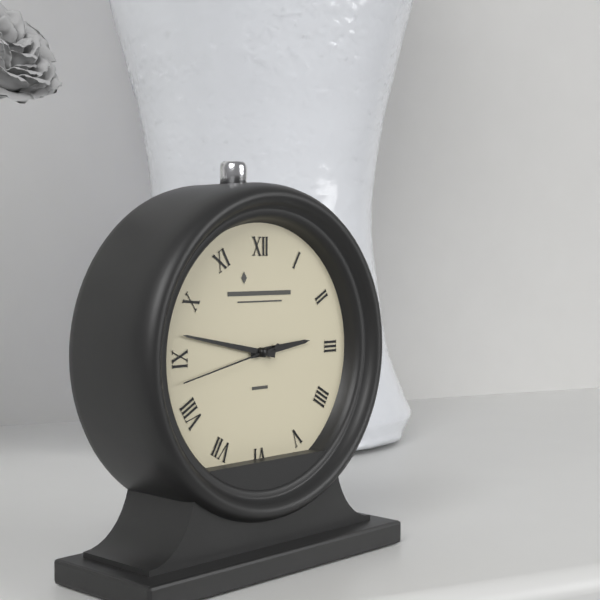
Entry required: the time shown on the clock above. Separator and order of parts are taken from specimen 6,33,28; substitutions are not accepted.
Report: 2,47,43
